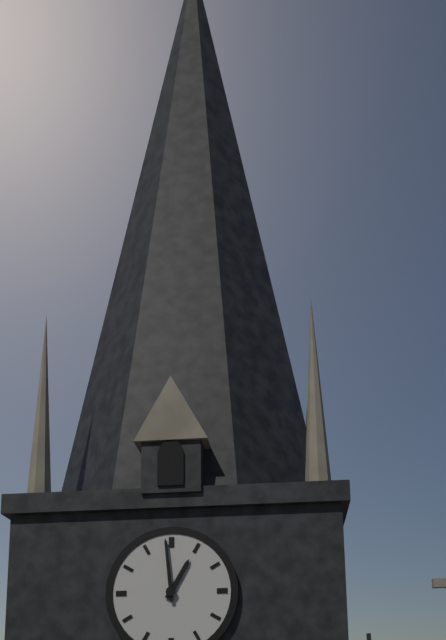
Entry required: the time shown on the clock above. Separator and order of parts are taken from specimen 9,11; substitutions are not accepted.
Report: 12,59
